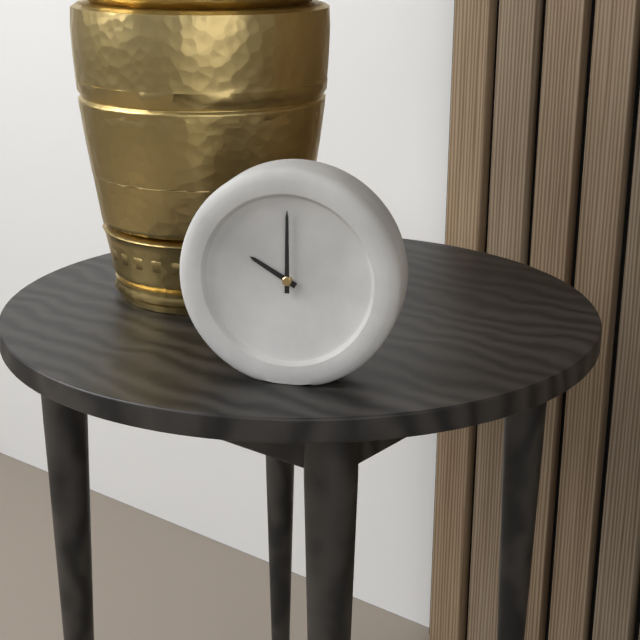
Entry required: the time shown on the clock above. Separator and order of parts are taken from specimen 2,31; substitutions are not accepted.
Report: 10,00
